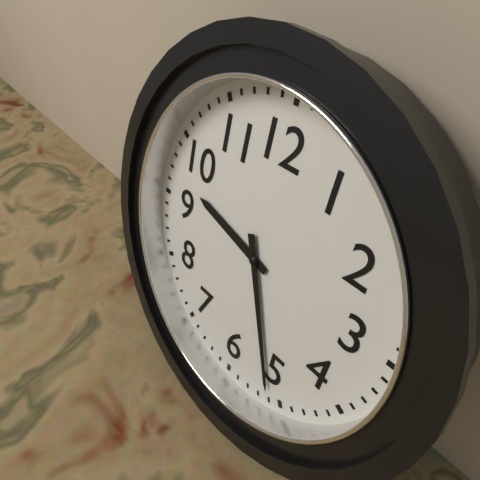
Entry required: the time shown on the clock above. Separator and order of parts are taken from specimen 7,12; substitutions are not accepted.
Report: 9,26
